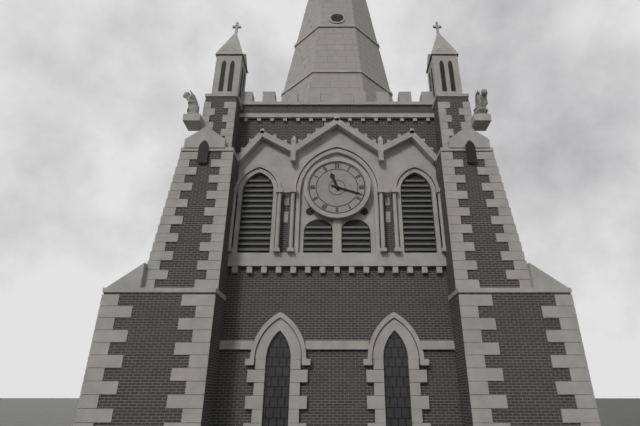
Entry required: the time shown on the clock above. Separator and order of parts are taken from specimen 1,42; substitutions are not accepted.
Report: 11,18
